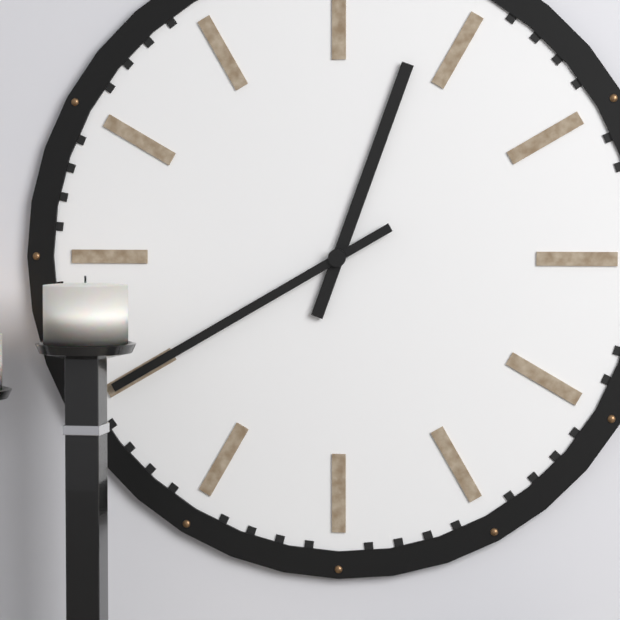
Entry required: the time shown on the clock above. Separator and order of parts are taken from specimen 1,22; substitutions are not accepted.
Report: 12,40
